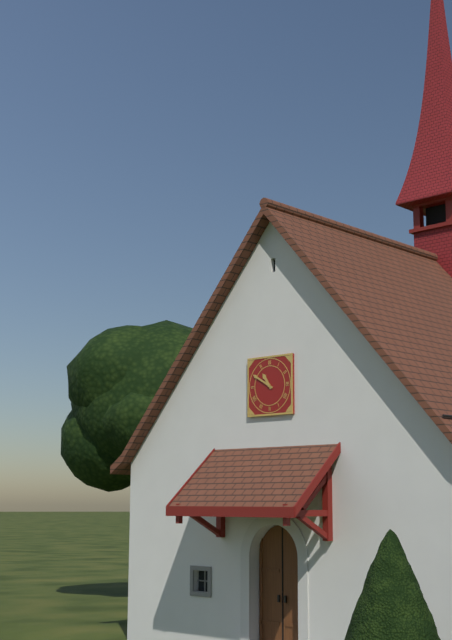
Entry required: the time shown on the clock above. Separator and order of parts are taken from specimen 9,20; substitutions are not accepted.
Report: 10,50
